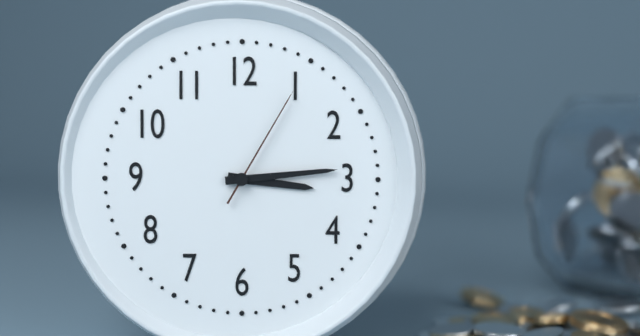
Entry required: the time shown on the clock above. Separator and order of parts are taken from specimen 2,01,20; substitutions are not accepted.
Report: 3,14,05
